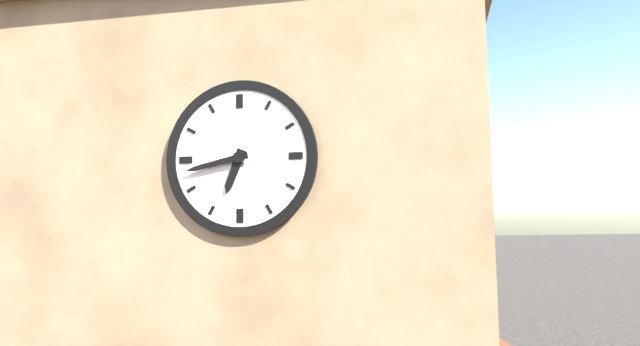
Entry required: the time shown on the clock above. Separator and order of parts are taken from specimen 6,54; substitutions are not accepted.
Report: 6,43
